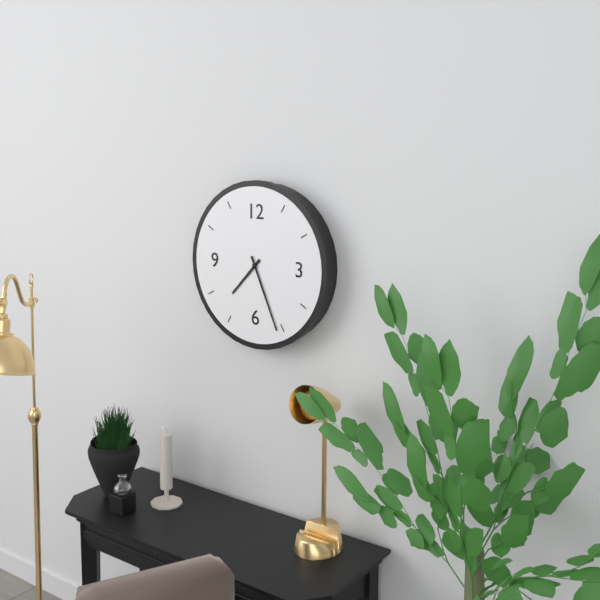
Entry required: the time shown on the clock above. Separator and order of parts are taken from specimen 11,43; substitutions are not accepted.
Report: 7,26
